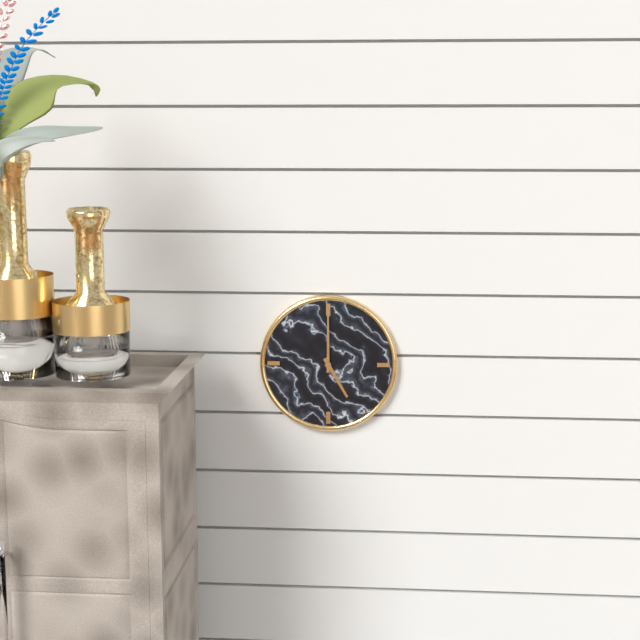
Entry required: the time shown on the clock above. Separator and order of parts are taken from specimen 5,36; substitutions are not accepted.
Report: 5,00
